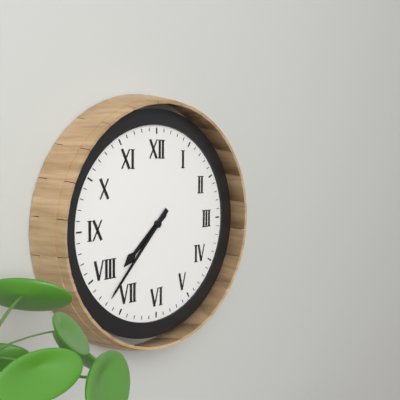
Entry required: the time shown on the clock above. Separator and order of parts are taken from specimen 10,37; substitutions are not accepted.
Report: 7,37
